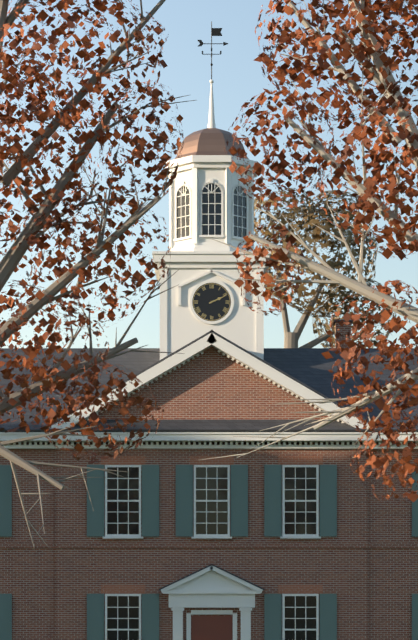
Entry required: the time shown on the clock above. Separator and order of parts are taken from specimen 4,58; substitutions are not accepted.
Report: 2,11
